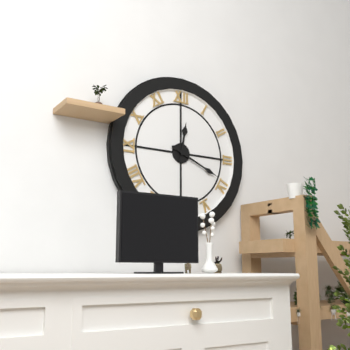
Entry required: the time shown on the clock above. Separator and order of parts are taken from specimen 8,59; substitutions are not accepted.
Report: 12,19
